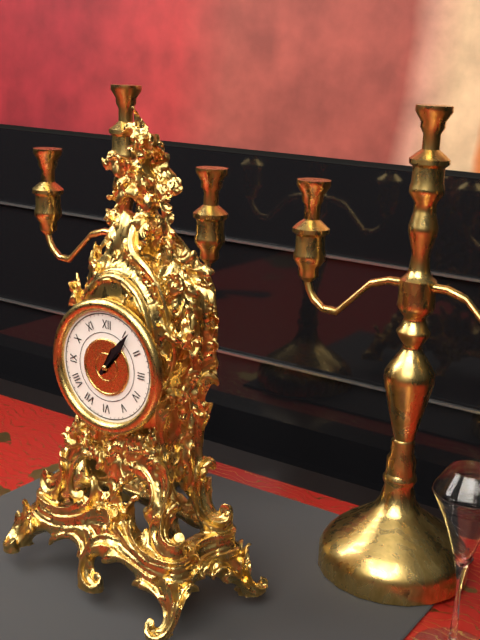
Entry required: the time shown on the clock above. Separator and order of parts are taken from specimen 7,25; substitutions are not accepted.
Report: 1,06
